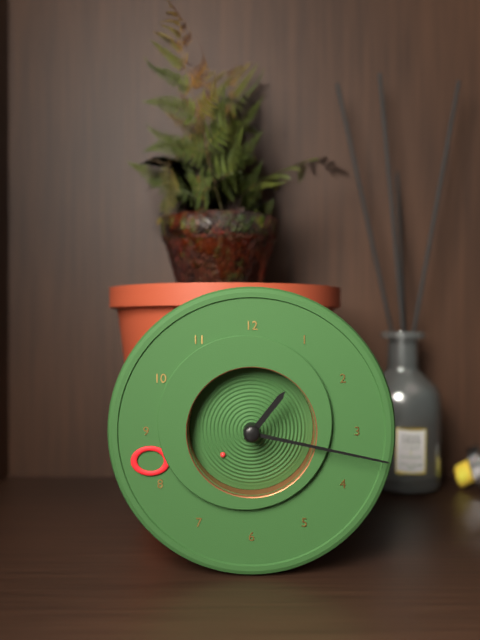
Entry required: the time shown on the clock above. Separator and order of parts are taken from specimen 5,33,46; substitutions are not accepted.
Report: 1,17,38
